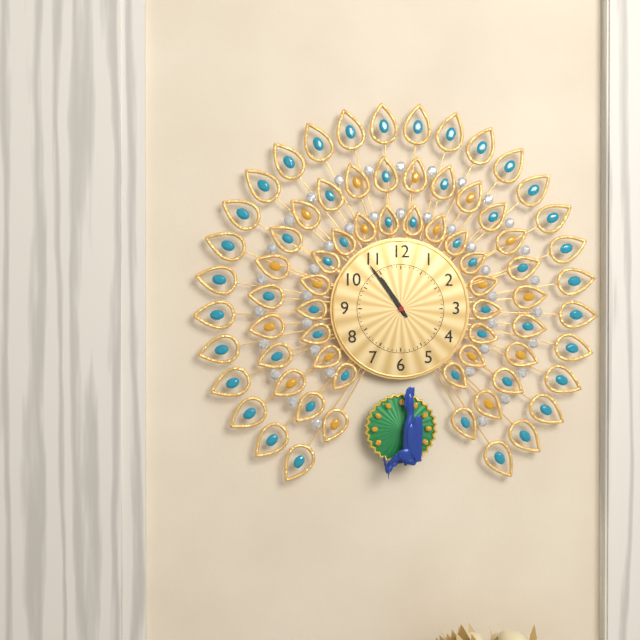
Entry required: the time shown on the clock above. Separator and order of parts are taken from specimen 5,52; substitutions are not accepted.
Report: 10,54
